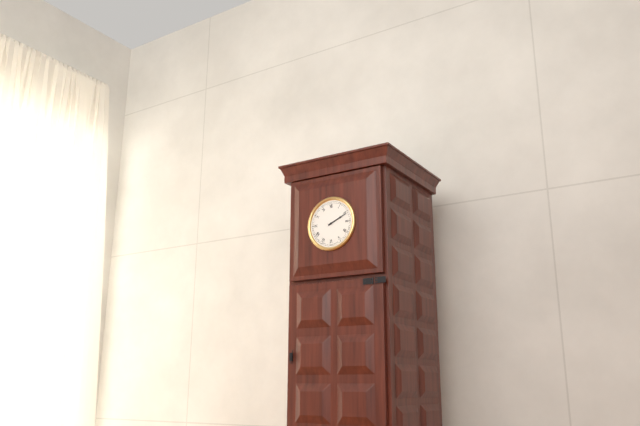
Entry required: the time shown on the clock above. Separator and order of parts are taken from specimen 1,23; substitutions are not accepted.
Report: 2,11
